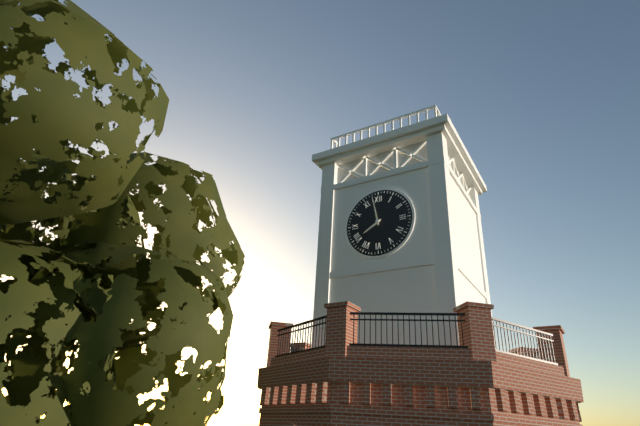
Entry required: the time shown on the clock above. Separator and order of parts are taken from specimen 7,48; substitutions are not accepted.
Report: 7,58
